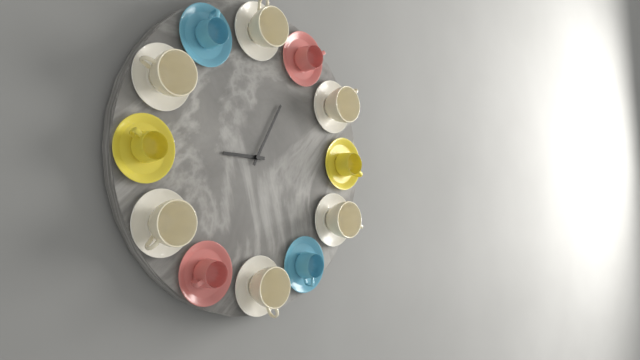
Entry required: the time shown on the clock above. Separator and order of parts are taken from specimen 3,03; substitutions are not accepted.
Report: 9,05
